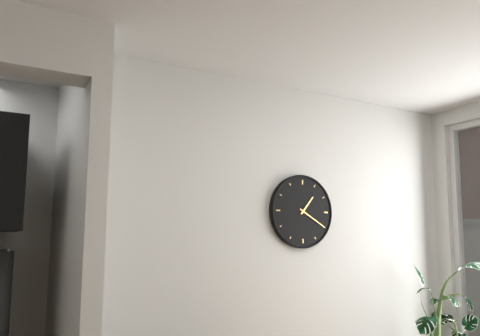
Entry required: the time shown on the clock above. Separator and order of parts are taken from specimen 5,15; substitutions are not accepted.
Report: 1,20
